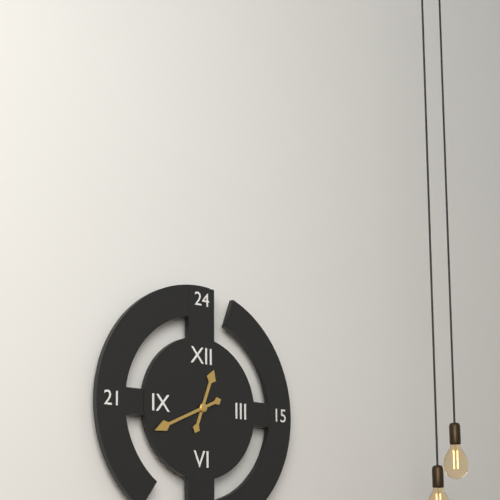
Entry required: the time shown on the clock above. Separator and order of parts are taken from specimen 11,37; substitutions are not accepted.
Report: 12,41
